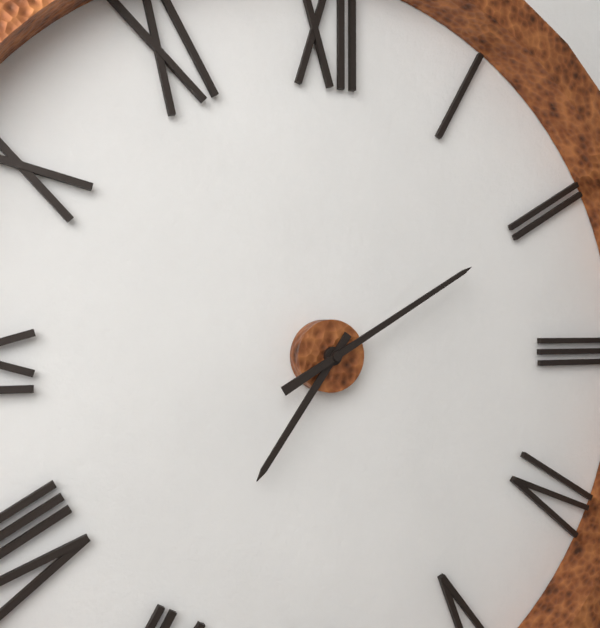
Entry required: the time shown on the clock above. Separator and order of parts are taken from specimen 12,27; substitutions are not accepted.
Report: 7,10
